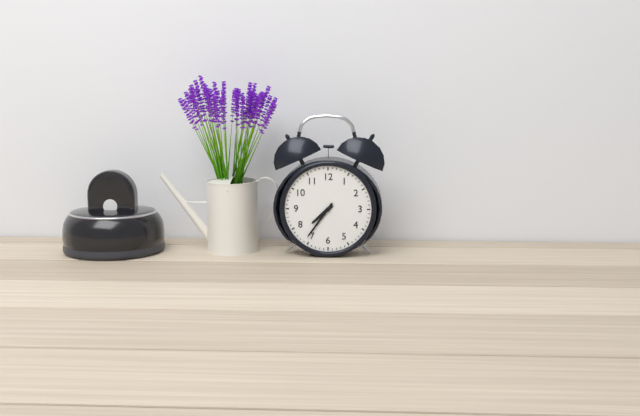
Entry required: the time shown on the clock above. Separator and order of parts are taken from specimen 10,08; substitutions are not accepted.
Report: 7,36
